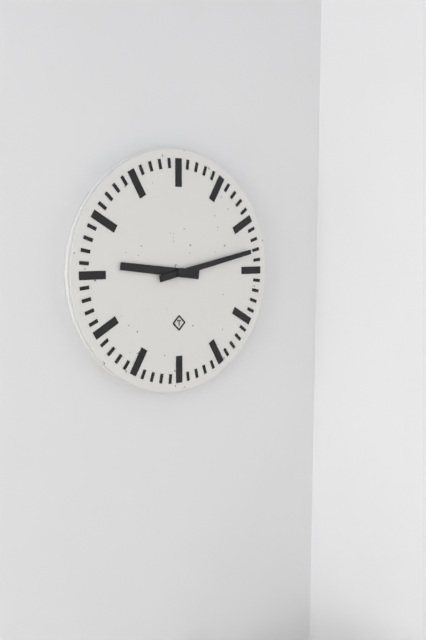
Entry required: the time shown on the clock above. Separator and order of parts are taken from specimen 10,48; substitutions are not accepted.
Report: 9,13
